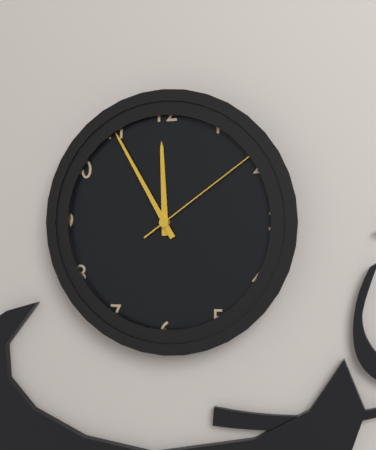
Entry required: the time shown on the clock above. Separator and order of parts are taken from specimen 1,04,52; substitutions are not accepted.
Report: 11,55,09
